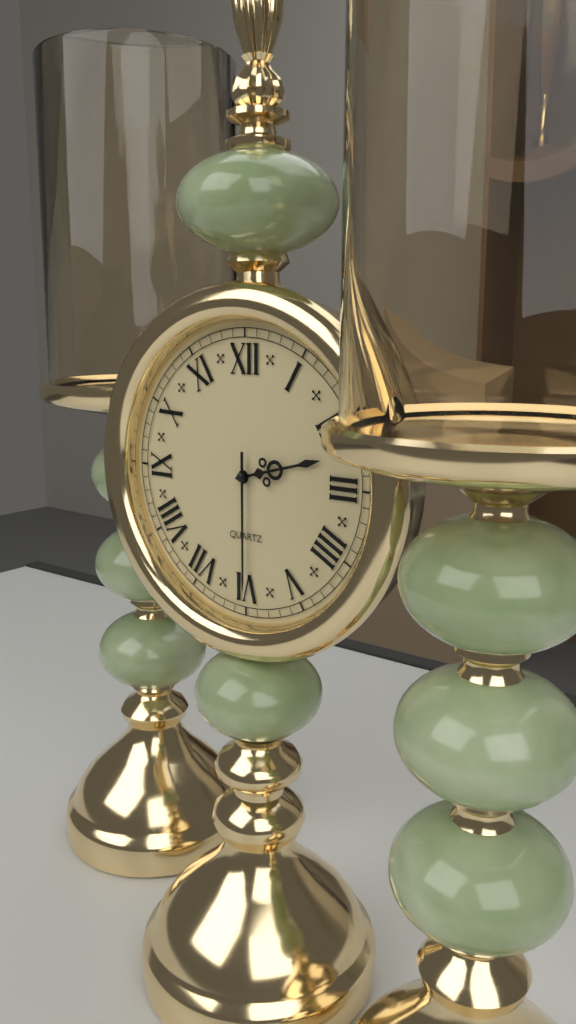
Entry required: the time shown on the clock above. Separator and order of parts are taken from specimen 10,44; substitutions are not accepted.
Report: 2,30
